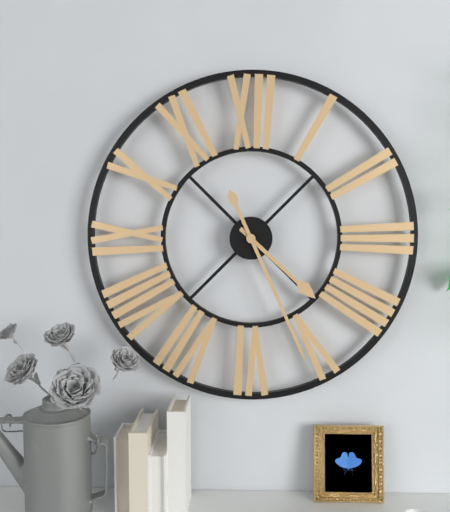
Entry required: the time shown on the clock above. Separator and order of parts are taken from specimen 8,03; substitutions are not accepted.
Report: 4,26
